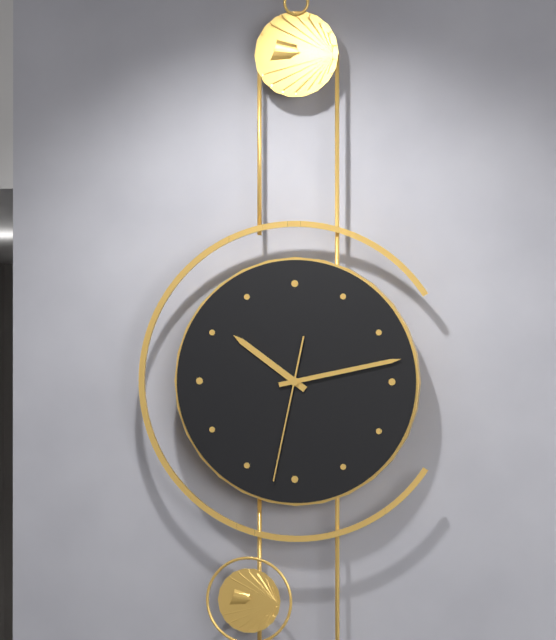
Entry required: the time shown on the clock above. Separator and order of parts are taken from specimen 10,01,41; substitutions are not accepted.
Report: 10,13,32
